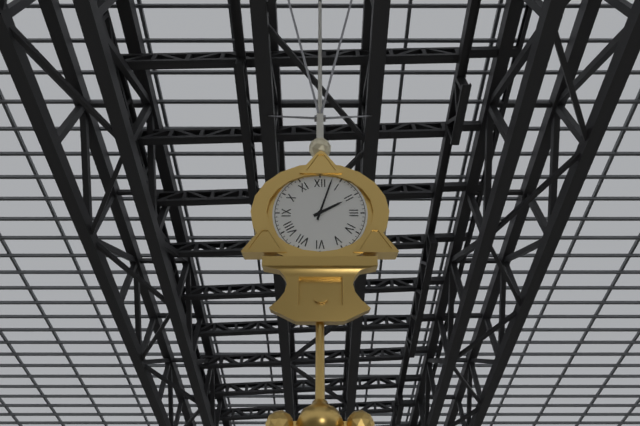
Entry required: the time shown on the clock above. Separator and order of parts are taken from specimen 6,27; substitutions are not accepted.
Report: 2,03
